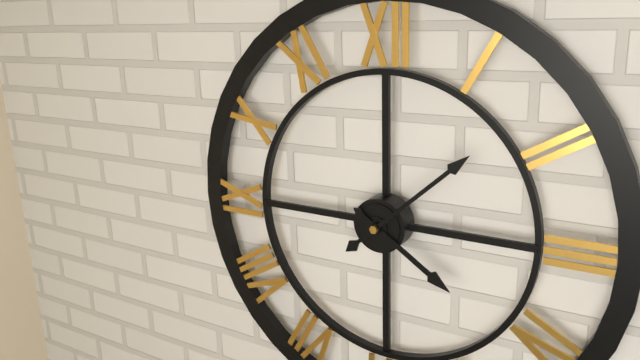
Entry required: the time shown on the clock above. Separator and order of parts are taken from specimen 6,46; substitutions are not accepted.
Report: 4,08
